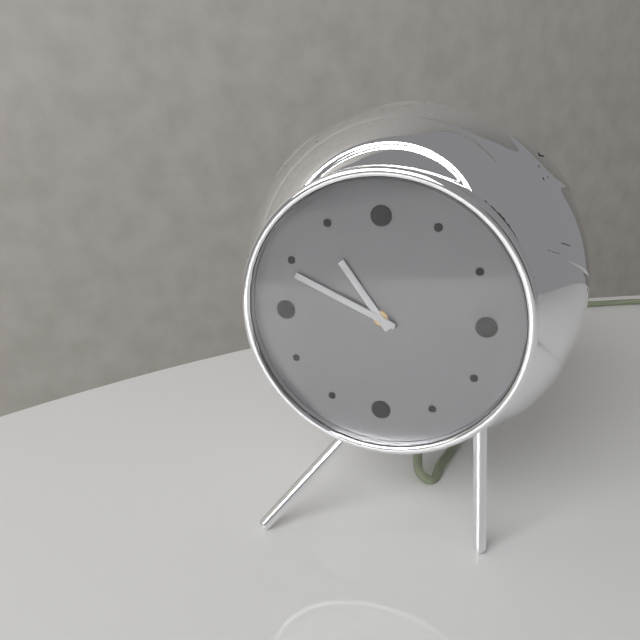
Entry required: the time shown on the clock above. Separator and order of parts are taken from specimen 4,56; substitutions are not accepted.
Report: 10,49
